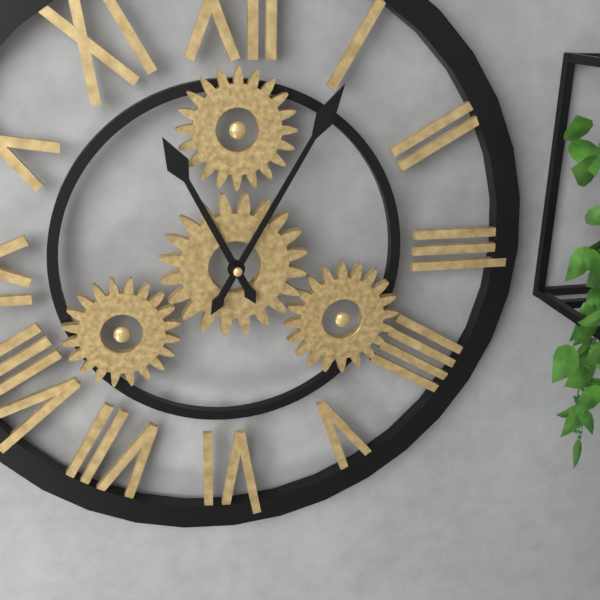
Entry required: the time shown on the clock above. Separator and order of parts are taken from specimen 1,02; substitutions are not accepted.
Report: 11,05
